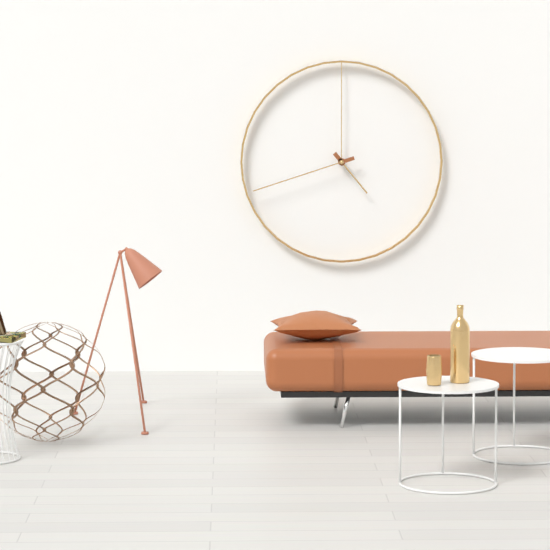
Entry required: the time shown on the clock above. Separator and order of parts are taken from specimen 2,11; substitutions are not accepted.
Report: 4,42
